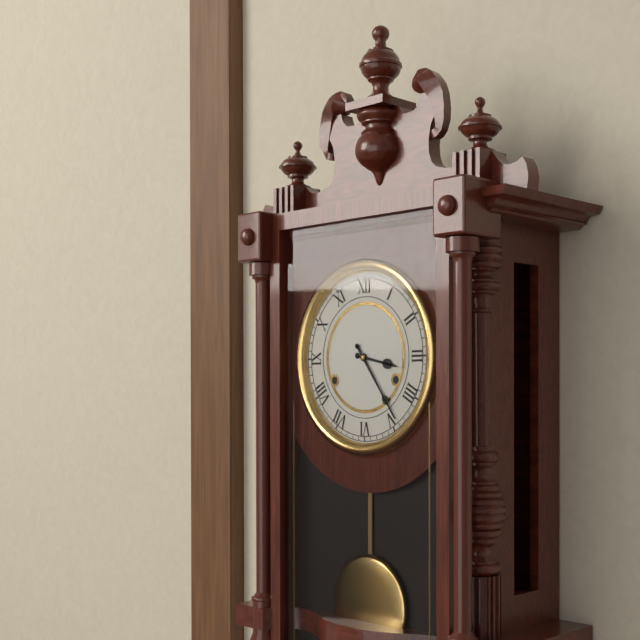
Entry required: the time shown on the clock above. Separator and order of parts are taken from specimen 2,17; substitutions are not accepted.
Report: 3,24
